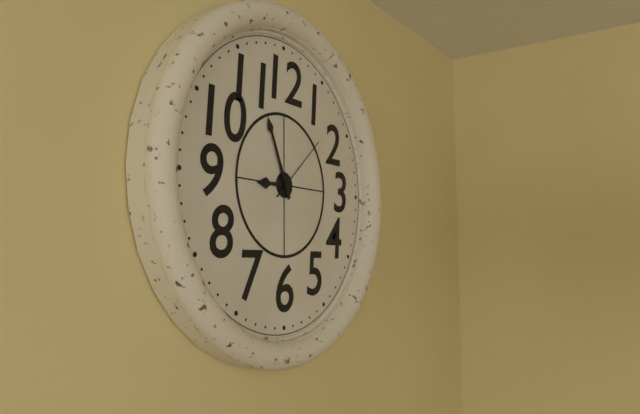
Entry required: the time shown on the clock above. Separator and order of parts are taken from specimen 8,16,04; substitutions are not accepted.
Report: 8,56,08
